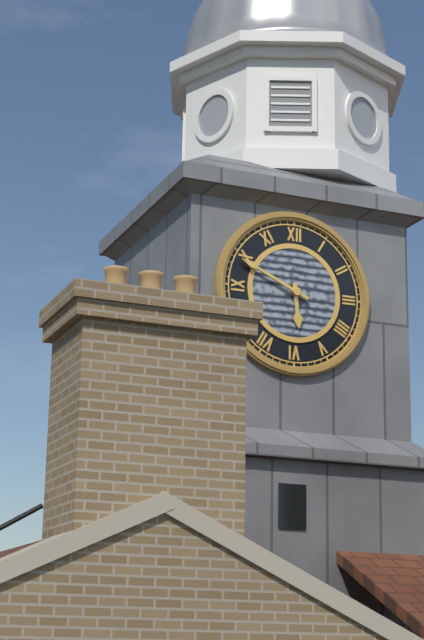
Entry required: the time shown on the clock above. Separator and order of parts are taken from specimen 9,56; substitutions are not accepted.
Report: 5,49
